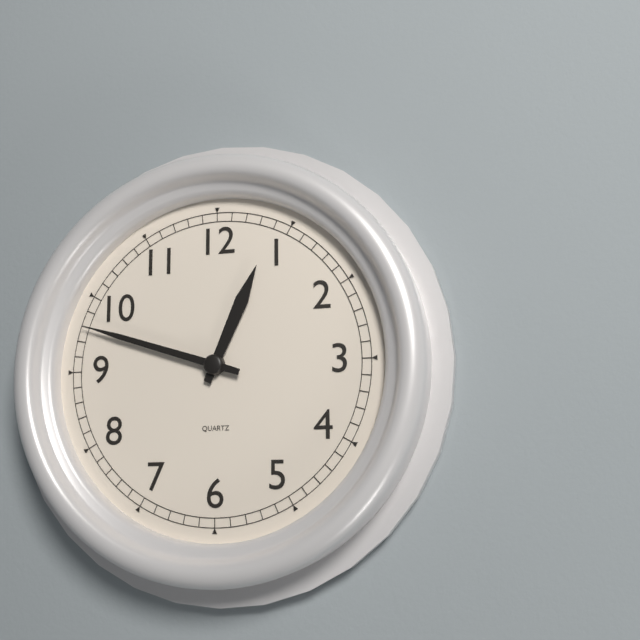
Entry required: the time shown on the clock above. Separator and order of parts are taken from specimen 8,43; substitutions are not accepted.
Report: 12,48
